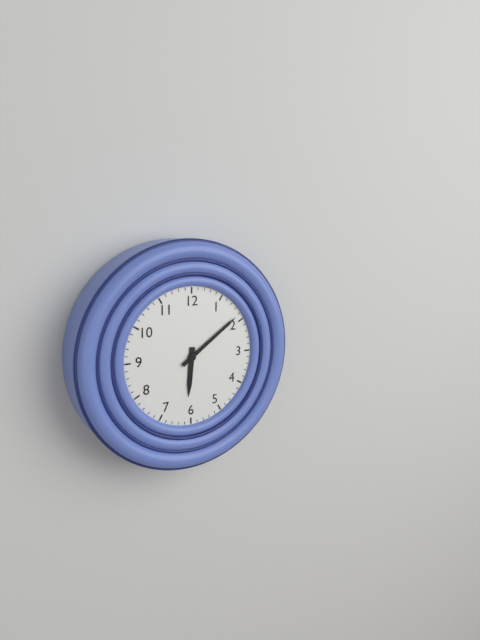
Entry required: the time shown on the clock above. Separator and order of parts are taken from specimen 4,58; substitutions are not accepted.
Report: 6,09
